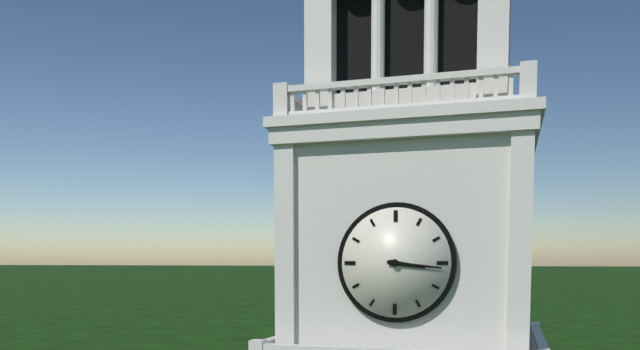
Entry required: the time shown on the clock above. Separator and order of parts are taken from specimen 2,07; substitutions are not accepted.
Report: 3,16
